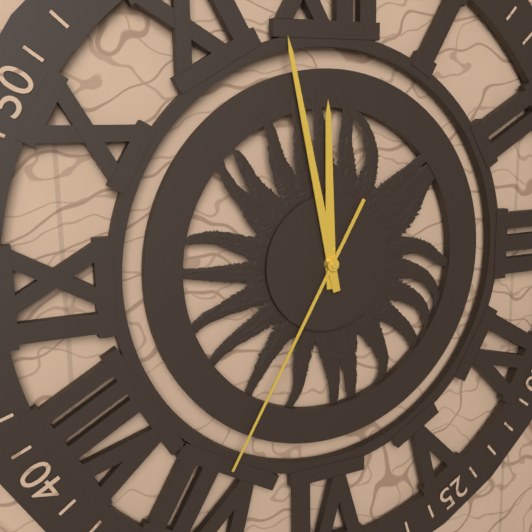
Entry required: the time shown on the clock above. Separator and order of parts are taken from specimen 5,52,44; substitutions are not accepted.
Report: 11,58,35
